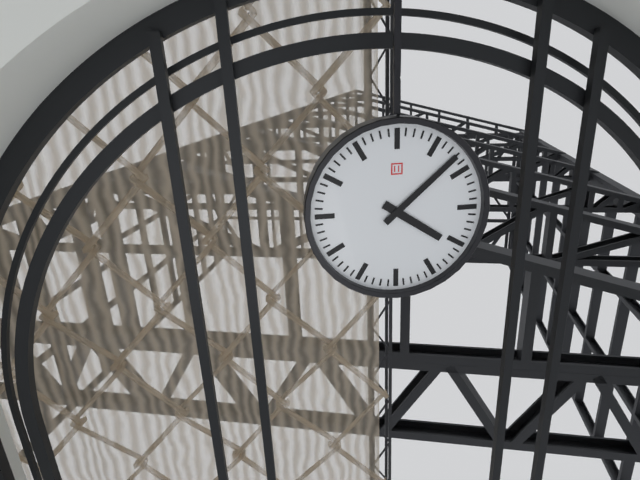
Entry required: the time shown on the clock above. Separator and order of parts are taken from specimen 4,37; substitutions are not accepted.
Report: 4,08
